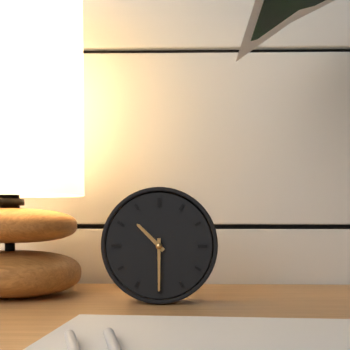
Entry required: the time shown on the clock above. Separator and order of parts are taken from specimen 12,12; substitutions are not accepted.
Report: 10,30
